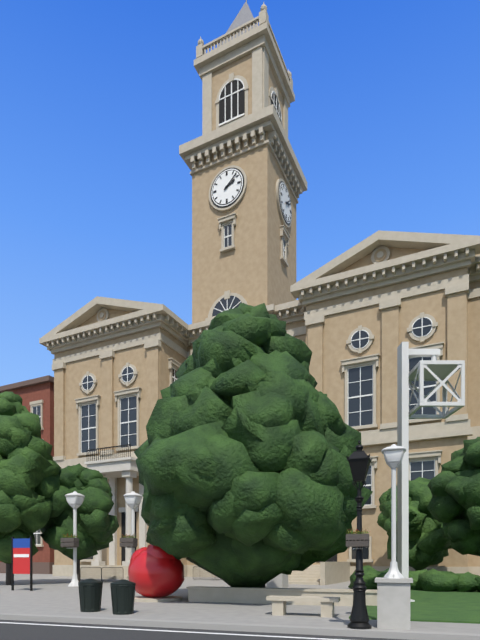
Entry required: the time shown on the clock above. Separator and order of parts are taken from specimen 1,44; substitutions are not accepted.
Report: 2,08
